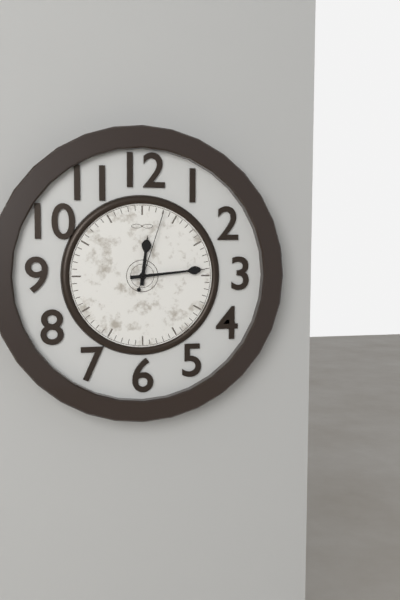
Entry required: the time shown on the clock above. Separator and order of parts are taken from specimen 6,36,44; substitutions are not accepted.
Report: 12,14,03
